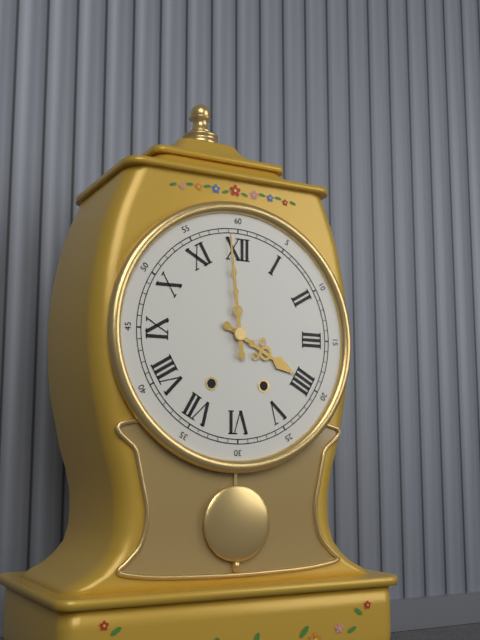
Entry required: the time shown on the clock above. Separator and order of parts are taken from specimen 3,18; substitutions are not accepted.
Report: 3,59
